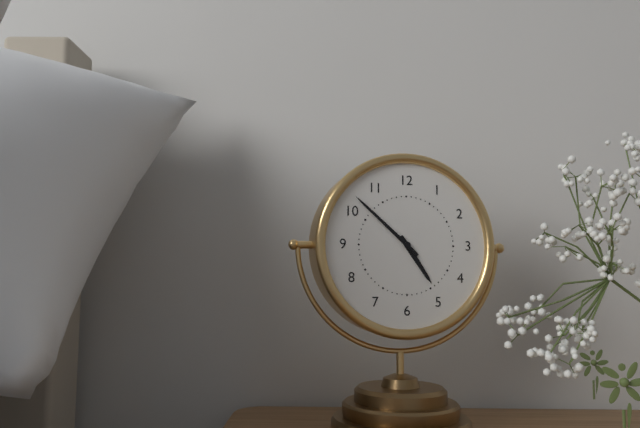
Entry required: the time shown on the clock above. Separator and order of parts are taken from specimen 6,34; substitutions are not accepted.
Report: 4,52
